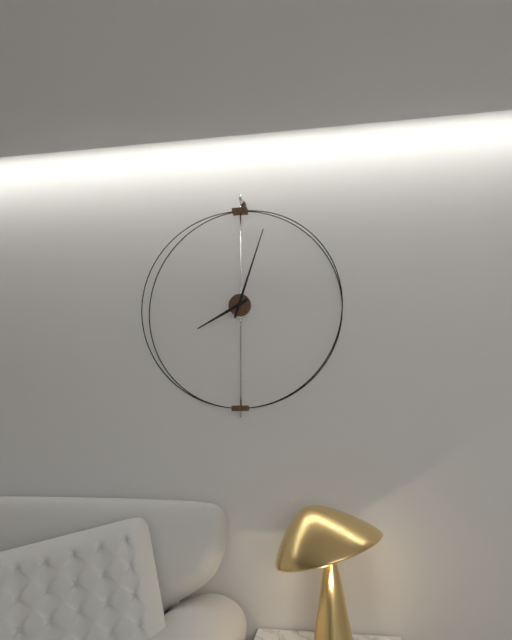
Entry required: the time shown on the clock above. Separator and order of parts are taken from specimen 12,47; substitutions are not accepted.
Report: 8,03
